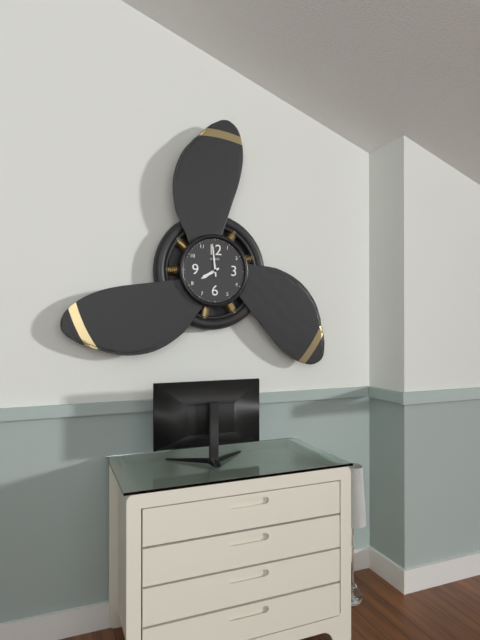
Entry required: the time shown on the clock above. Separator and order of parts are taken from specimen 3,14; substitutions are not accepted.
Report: 7,59
